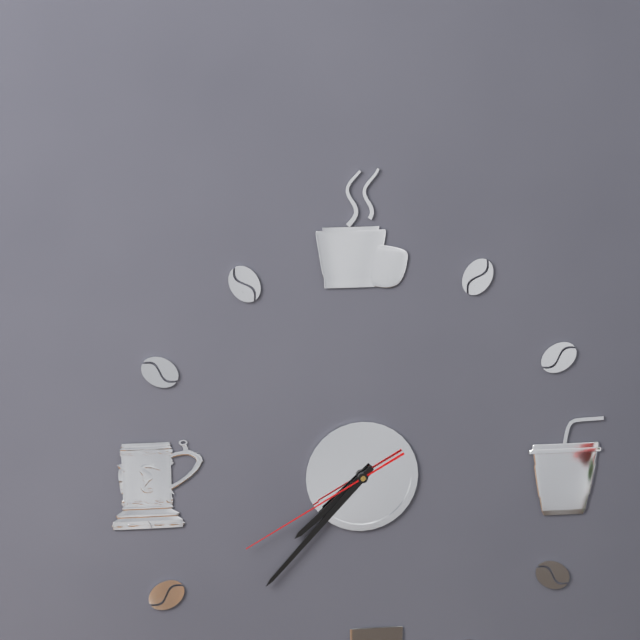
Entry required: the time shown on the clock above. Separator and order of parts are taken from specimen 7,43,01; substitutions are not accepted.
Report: 7,37,40
